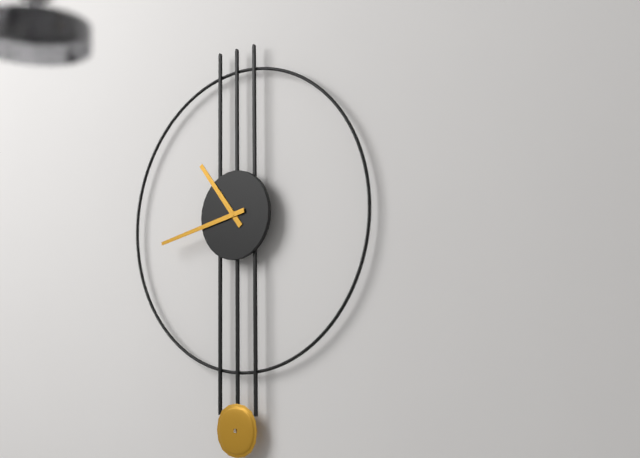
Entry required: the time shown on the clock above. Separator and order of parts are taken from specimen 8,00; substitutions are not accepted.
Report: 10,43
